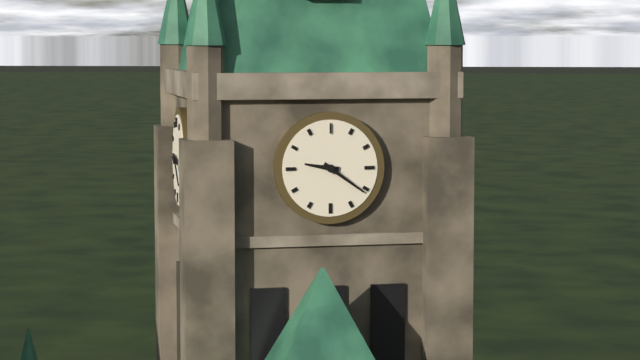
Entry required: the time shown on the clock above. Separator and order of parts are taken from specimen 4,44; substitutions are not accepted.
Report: 9,21
